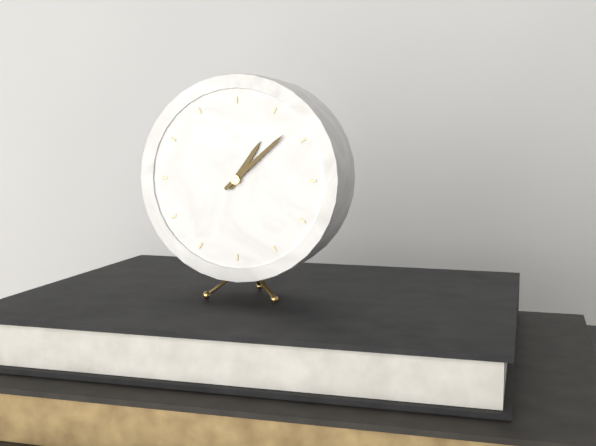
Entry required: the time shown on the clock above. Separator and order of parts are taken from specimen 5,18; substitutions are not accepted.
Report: 1,08
